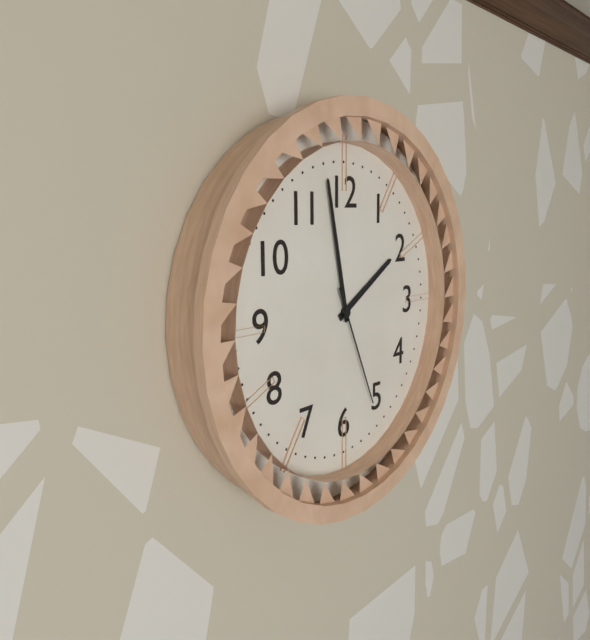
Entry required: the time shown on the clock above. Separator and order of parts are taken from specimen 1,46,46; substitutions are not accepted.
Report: 1,58,26
